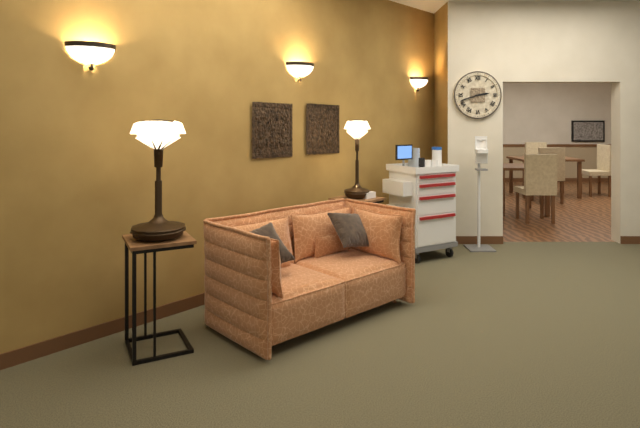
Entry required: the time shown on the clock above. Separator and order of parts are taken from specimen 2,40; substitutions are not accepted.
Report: 2,42
